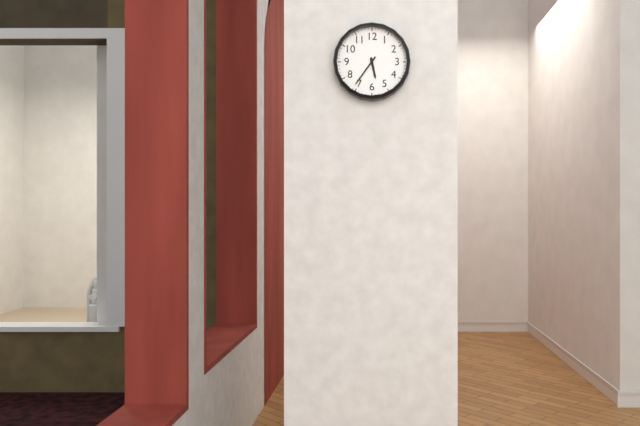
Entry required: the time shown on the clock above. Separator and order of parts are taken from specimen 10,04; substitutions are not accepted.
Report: 5,36
